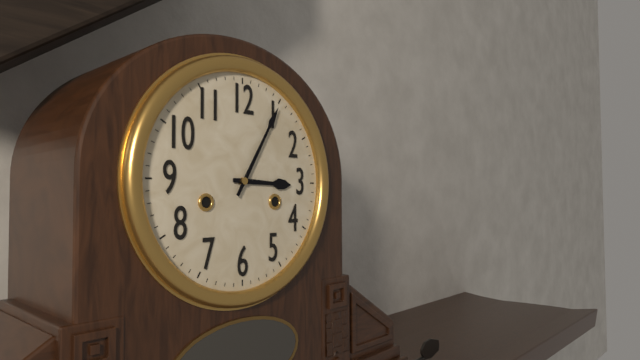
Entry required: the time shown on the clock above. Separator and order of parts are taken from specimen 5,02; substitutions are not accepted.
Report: 3,05
